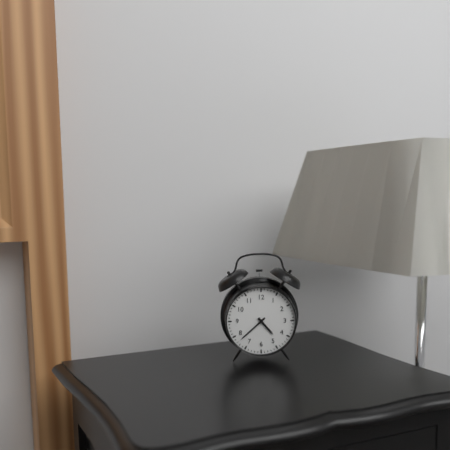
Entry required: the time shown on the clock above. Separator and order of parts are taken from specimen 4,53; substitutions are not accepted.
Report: 4,38
